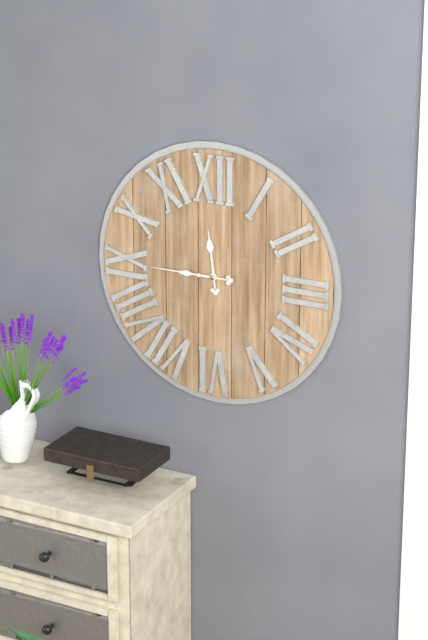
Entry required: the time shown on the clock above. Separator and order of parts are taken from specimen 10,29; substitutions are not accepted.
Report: 11,45
